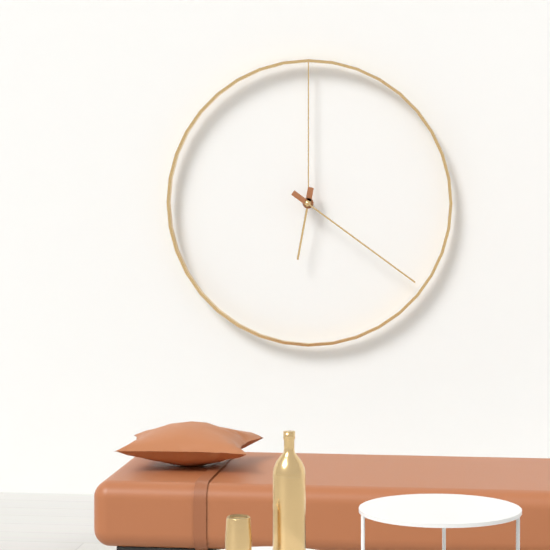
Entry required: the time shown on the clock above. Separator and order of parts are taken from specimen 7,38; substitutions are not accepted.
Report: 6,21
